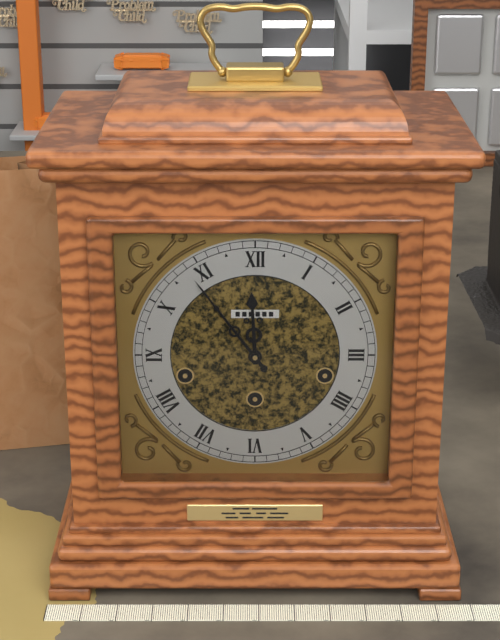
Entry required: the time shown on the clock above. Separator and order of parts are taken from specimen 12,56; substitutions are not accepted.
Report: 11,54
